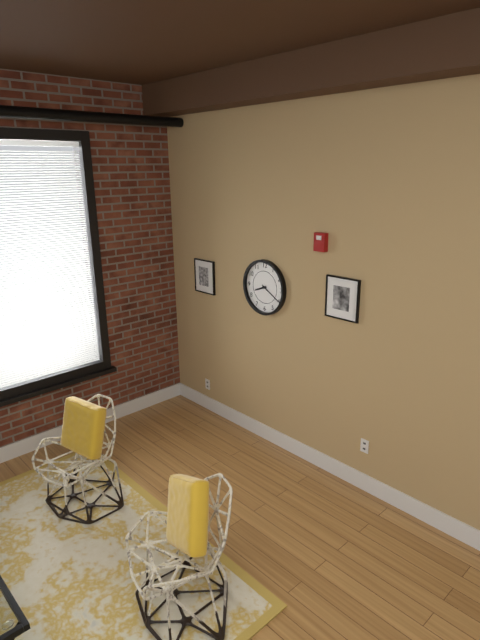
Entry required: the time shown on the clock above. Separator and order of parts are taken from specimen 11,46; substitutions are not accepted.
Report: 8,20
